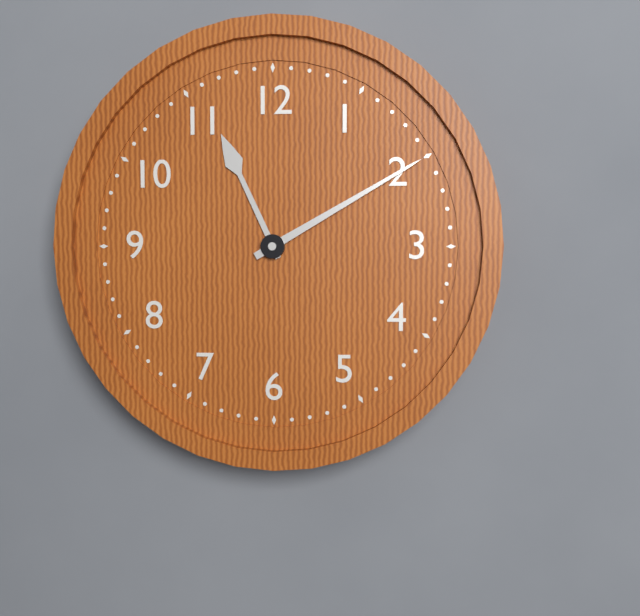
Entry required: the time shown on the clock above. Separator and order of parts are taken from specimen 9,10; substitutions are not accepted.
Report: 11,10
